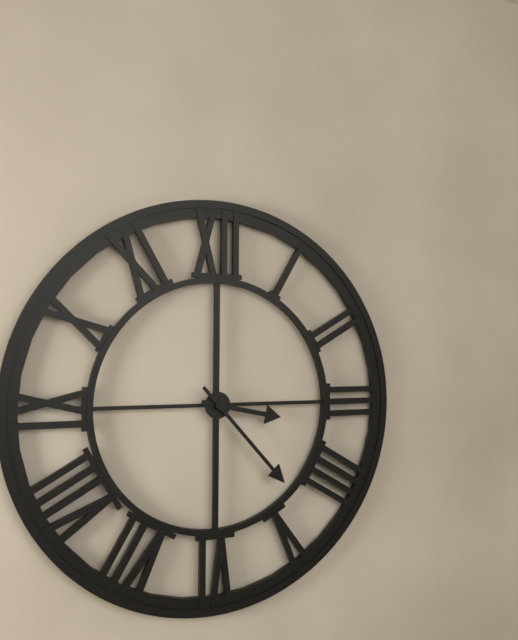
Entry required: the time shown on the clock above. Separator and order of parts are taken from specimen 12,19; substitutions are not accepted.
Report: 3,23
